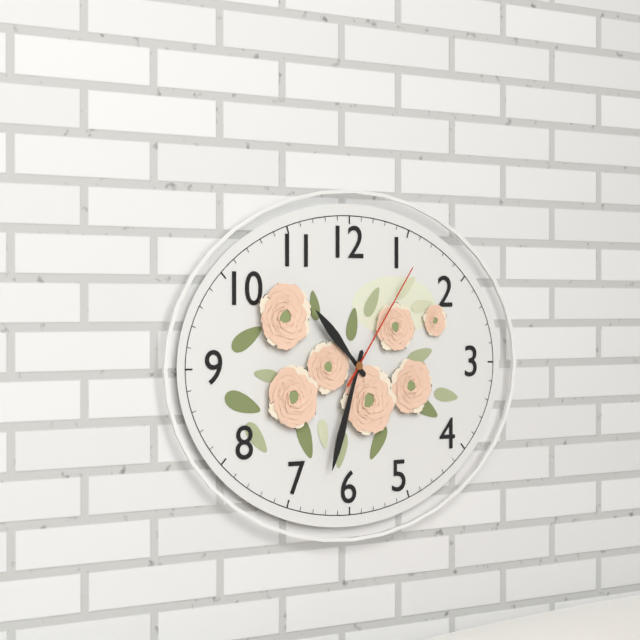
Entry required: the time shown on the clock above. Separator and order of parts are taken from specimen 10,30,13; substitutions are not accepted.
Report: 10,33,06
